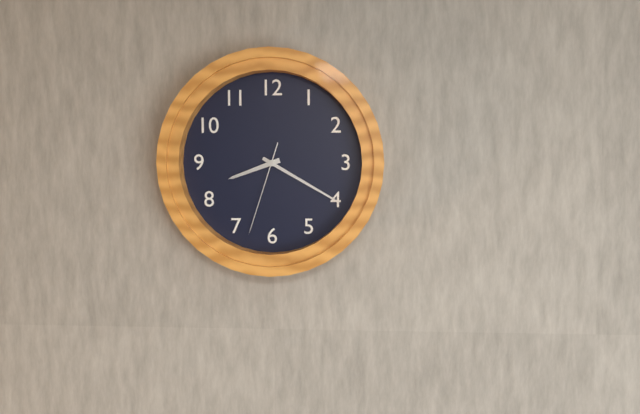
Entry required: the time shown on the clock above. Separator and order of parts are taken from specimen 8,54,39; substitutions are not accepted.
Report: 8,20,33
